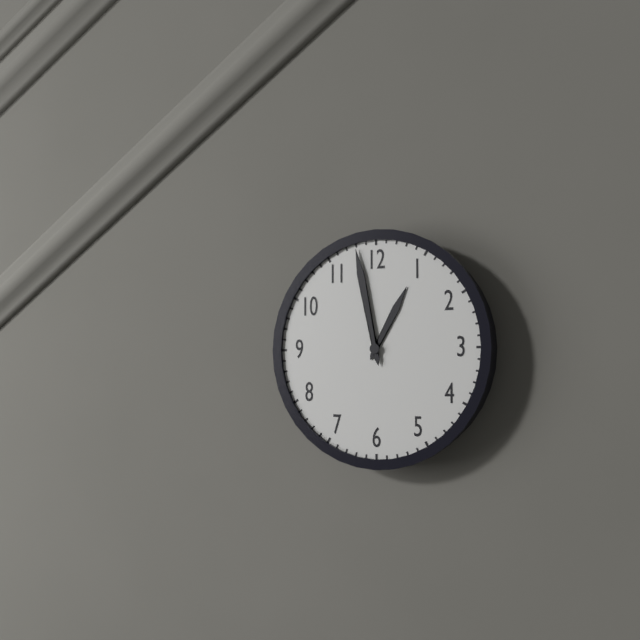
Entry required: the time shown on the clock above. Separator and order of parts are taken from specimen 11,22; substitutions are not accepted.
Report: 12,58
